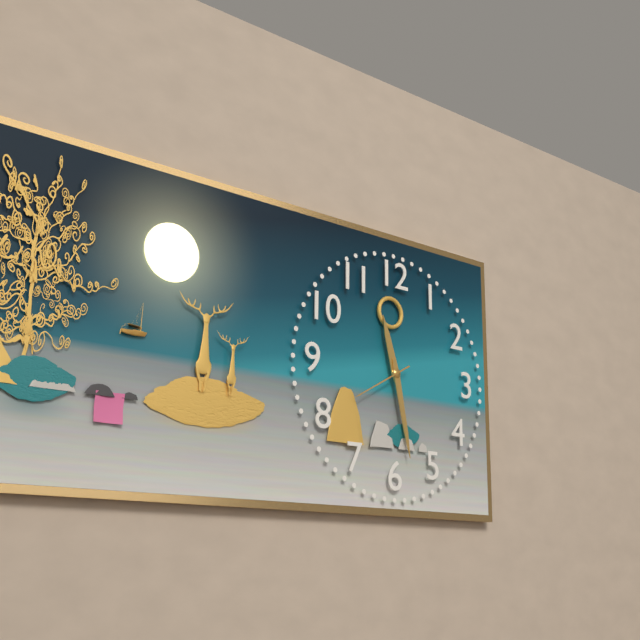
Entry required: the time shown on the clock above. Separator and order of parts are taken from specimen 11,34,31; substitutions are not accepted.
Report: 11,28,40
